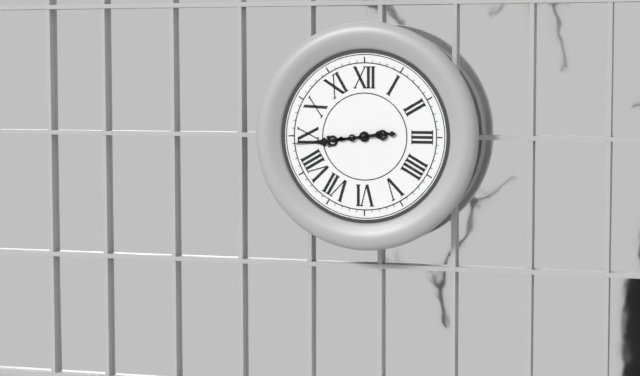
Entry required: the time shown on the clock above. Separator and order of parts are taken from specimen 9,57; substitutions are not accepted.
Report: 8,44
